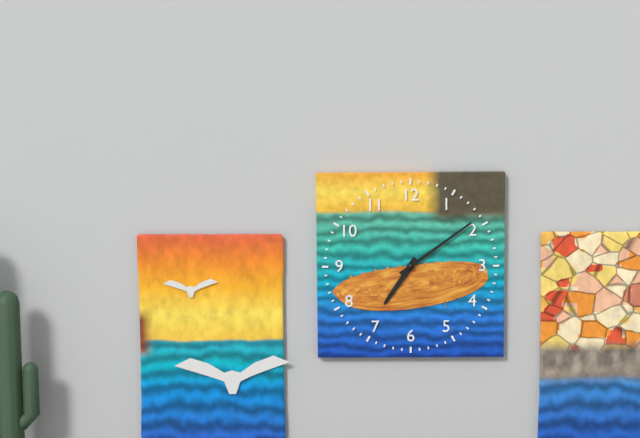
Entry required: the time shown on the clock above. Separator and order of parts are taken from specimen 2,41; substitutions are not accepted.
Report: 7,09
